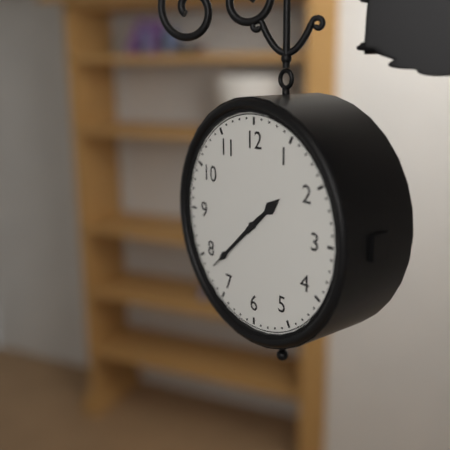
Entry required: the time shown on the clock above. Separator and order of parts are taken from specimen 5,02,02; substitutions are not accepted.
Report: 1,38,38
